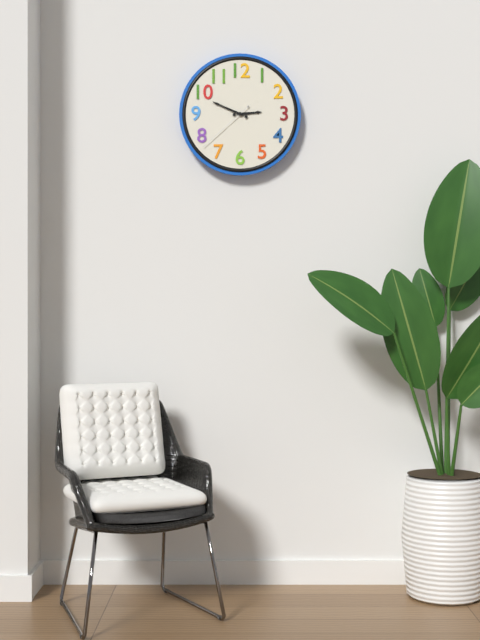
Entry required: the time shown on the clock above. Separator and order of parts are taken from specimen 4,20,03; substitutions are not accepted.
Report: 2,49,38
